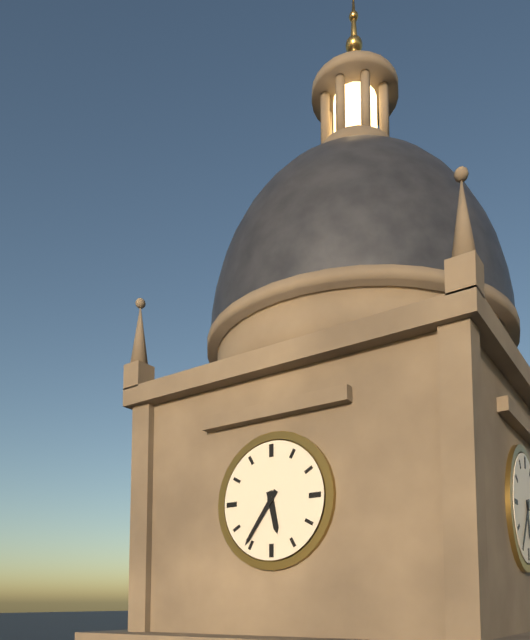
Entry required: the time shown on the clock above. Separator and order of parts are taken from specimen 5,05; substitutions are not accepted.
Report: 5,36
